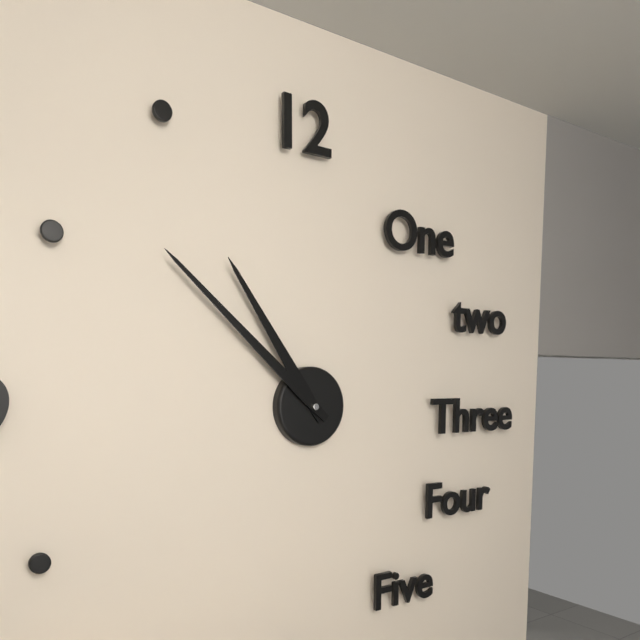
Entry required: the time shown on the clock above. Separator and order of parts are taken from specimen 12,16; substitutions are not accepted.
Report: 10,52
